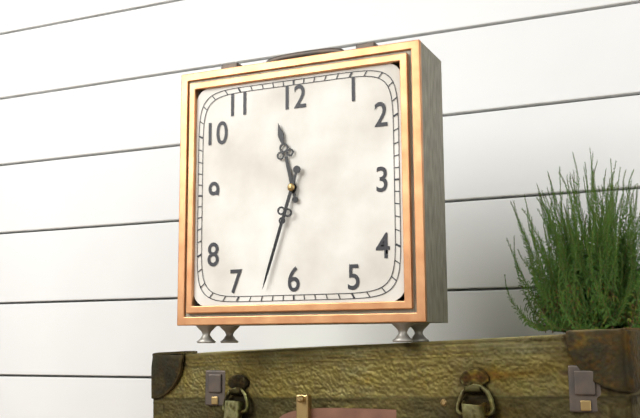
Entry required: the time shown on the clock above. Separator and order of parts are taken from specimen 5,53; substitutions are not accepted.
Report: 11,33
